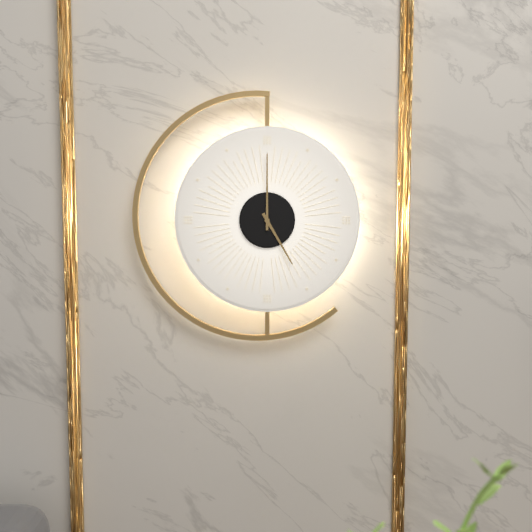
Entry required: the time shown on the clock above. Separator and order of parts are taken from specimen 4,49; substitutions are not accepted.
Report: 5,00
